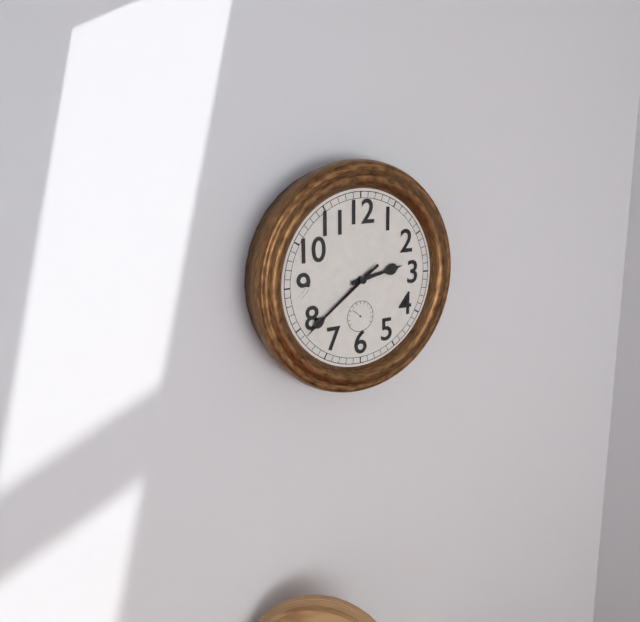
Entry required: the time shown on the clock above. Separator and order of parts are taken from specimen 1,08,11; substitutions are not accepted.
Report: 2,39,39
